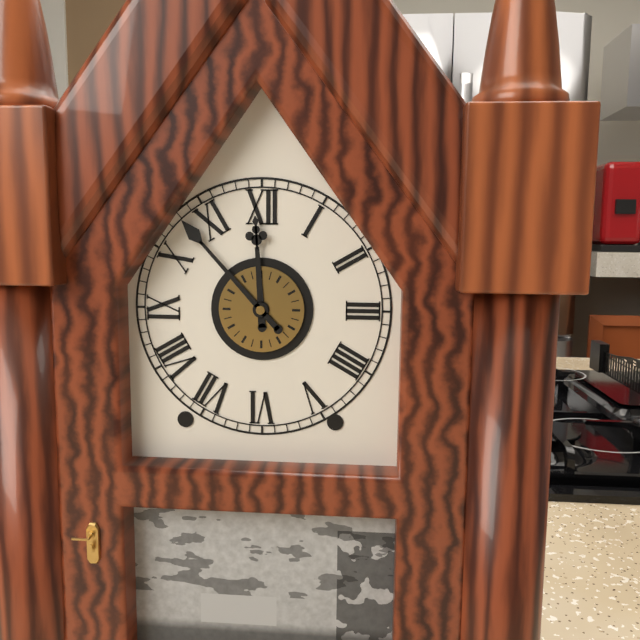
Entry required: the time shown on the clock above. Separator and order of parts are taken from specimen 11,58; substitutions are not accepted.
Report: 11,53
